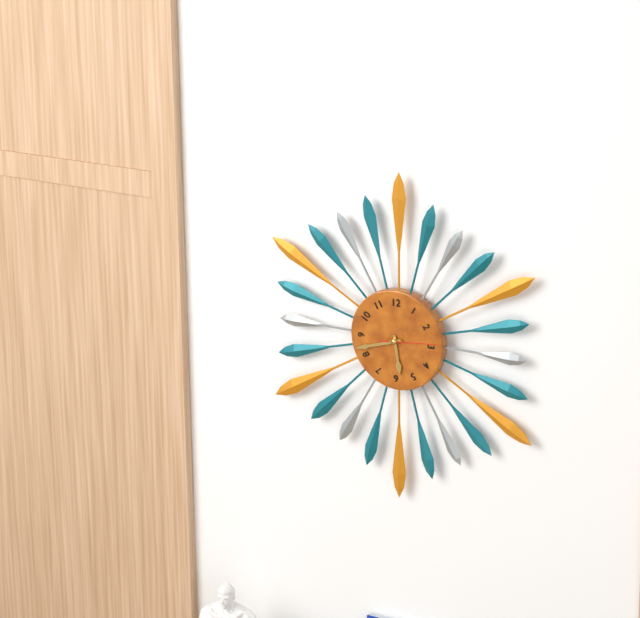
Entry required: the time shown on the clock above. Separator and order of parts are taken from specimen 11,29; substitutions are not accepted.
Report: 5,42
